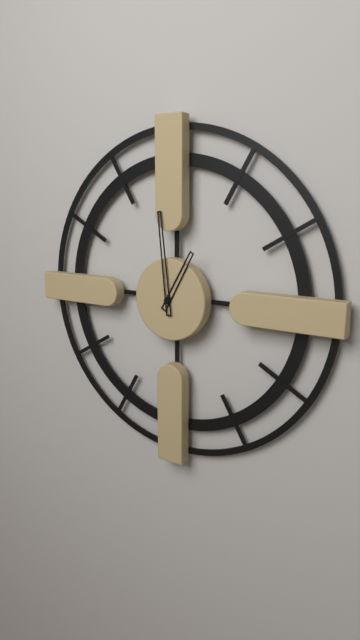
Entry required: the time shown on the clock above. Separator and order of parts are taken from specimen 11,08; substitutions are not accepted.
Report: 12,59
